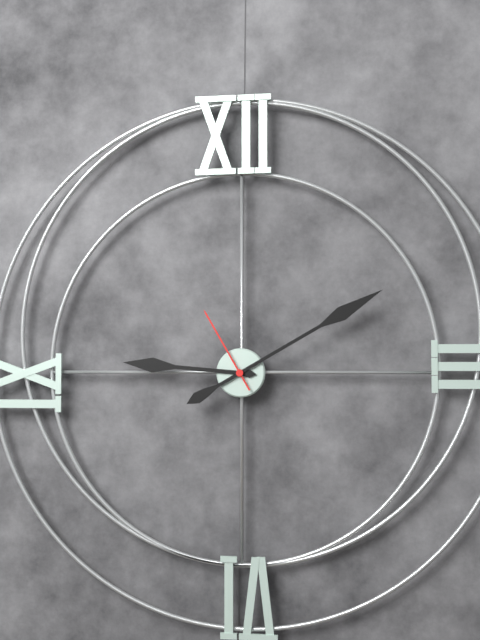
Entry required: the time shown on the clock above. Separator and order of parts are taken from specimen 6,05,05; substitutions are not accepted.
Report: 9,10,55
